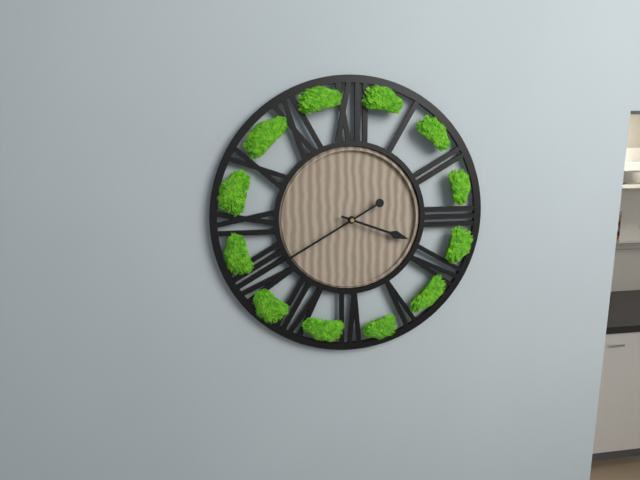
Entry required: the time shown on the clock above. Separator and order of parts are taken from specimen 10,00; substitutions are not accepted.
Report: 3,40
